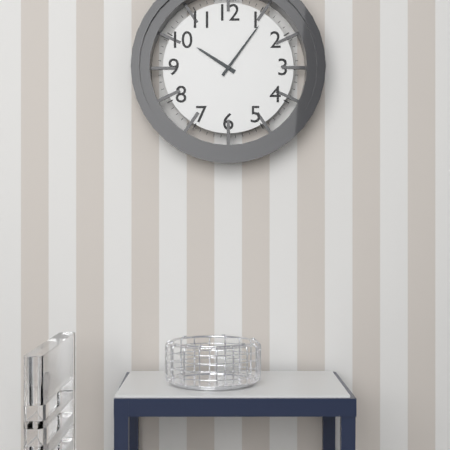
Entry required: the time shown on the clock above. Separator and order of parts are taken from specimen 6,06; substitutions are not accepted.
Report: 10,06
